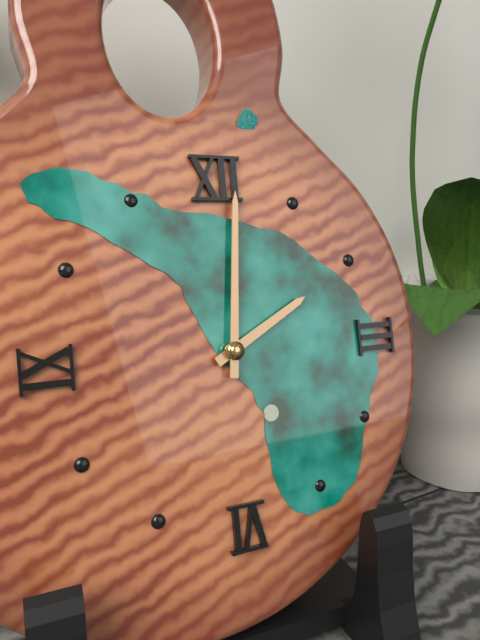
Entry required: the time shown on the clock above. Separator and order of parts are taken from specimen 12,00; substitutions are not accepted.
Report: 2,01
